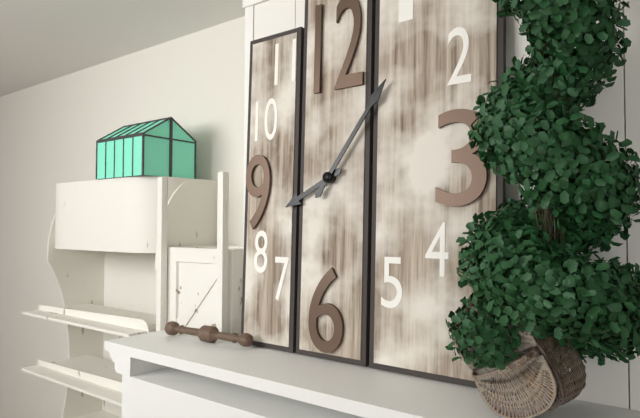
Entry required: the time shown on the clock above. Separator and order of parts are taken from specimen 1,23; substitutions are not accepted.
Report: 8,06
